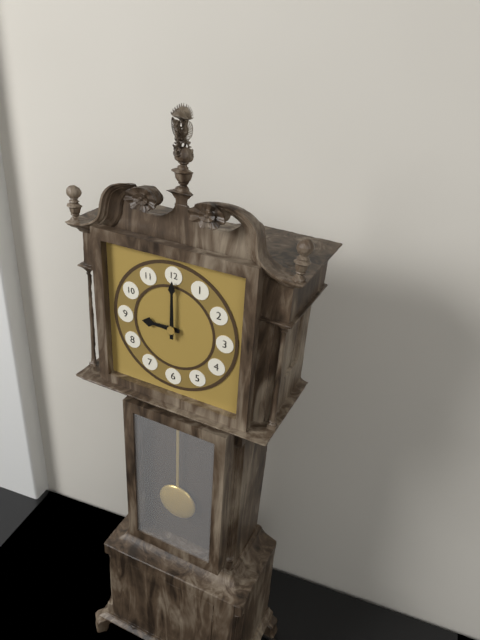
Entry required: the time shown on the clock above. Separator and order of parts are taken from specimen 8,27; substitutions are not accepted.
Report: 9,00
